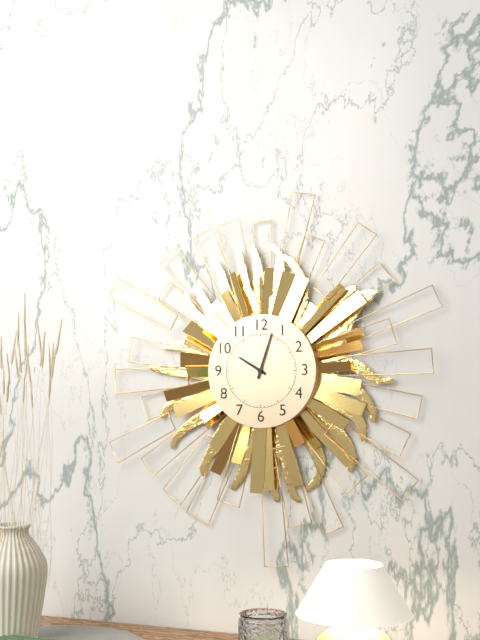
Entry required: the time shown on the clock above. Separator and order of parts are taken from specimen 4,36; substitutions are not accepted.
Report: 10,03
